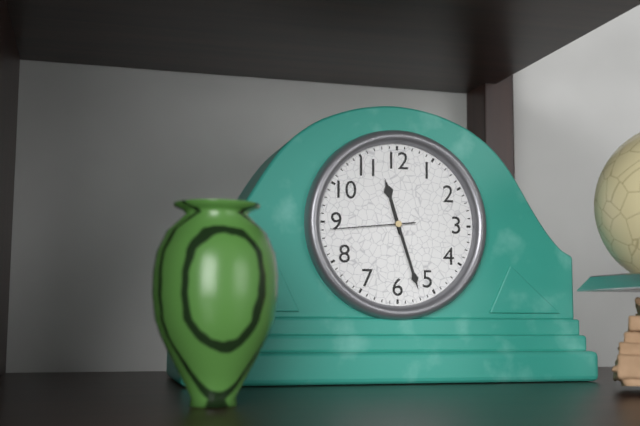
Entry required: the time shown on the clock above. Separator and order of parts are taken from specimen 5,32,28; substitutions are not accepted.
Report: 11,27,44
